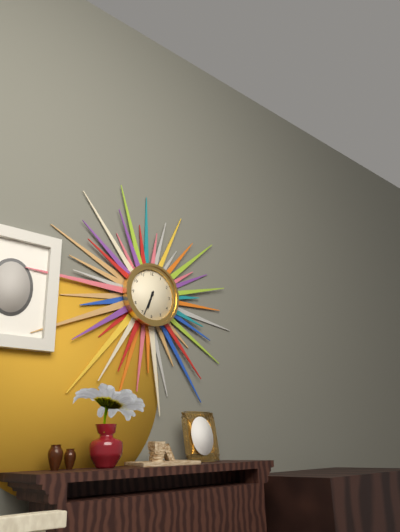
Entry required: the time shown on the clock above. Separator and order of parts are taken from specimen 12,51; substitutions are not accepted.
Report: 6,34
